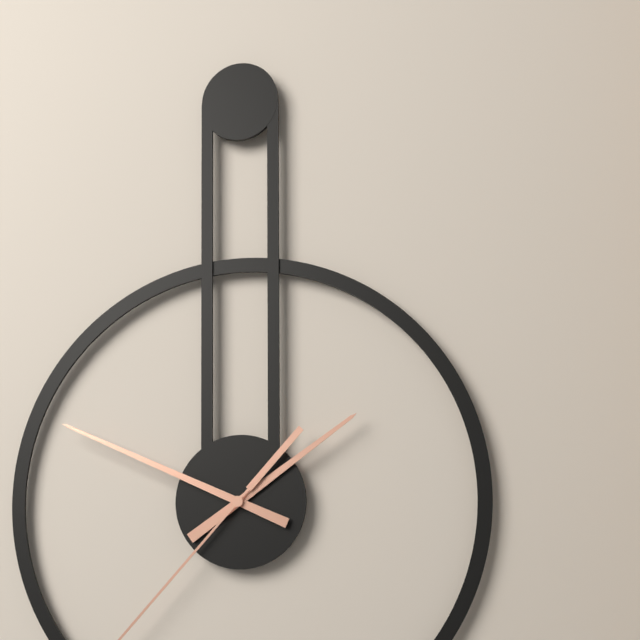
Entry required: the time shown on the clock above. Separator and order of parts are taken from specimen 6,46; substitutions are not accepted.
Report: 1,49
